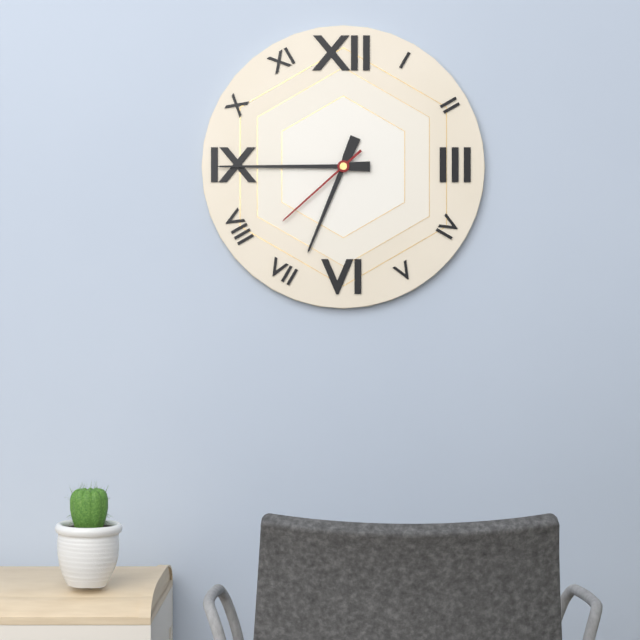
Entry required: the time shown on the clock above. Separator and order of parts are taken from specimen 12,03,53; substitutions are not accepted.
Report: 6,45,38
